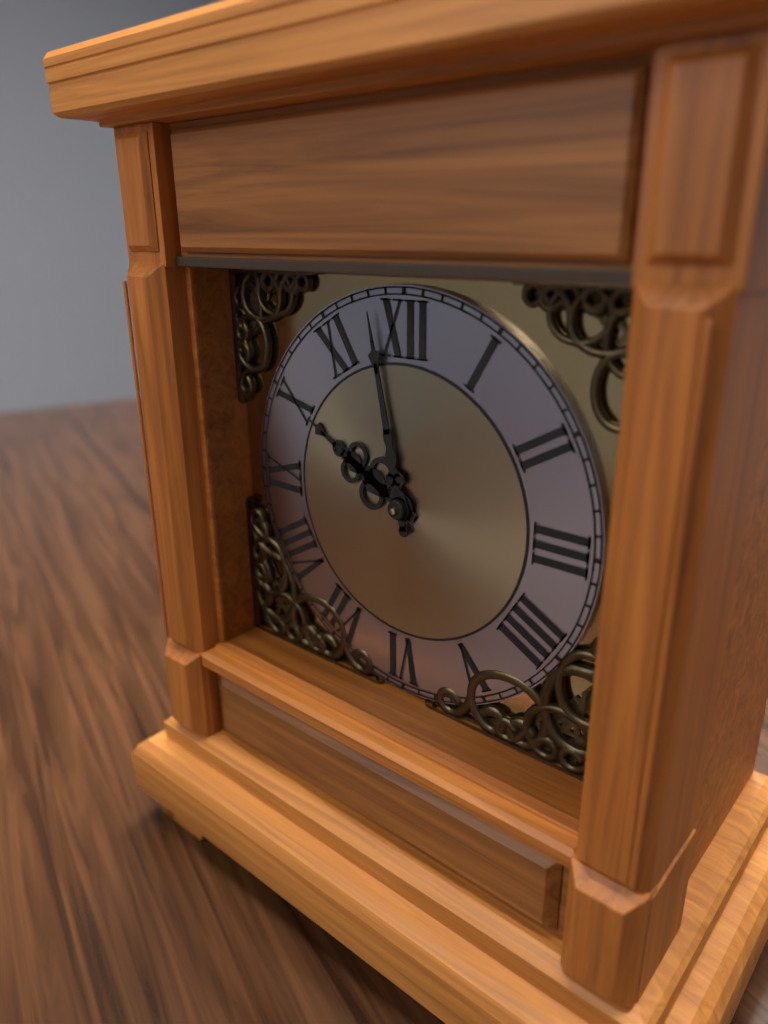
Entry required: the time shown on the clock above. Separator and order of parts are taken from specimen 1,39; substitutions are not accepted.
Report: 9,58
